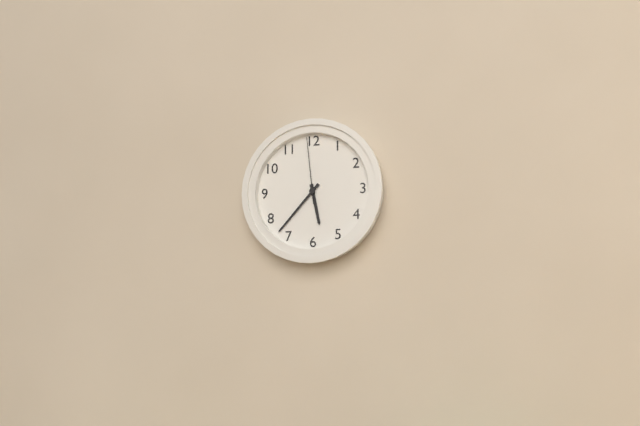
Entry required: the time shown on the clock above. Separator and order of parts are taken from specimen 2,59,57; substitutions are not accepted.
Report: 5,37,59
